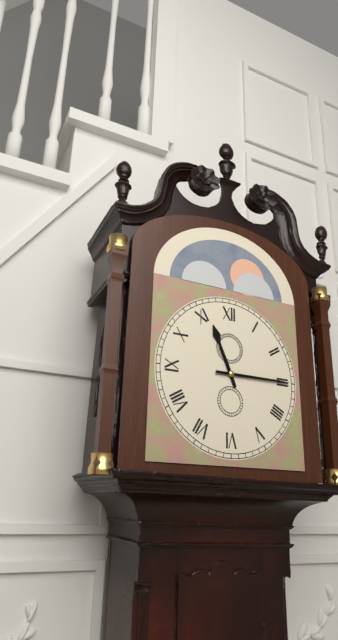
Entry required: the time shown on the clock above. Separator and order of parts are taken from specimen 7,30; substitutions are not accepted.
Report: 11,15
